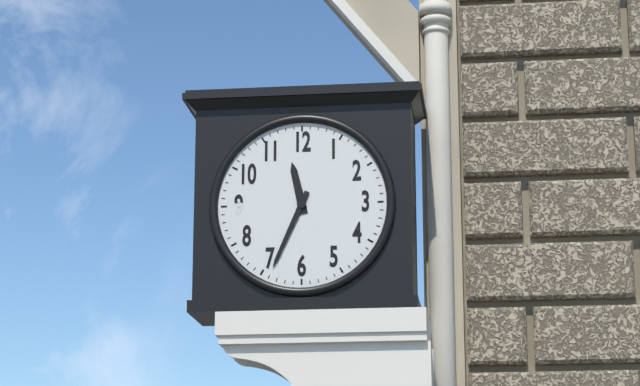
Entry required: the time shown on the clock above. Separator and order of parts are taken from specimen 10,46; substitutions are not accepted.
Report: 11,34
